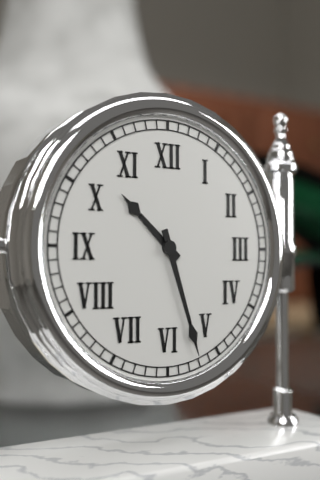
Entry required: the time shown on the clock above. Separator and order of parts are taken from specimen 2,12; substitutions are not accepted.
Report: 10,27
